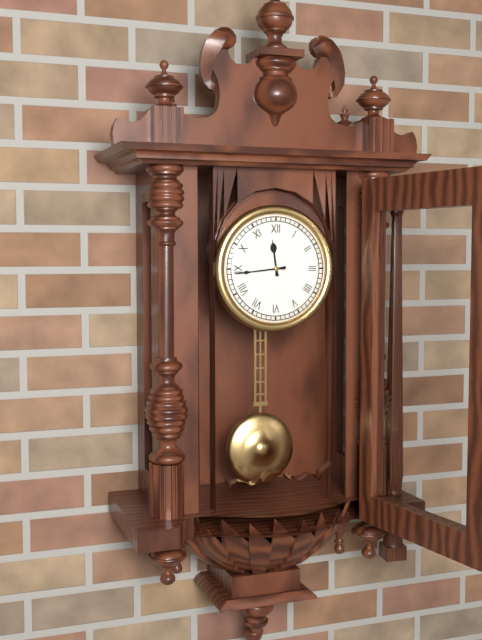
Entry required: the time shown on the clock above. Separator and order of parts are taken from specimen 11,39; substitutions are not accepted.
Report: 11,44
